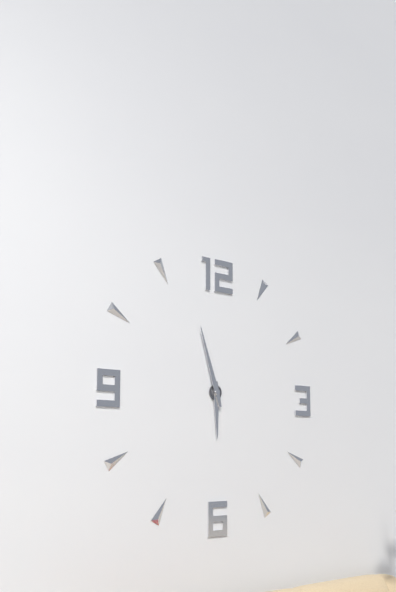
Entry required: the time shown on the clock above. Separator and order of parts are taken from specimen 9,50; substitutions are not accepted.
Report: 5,57
